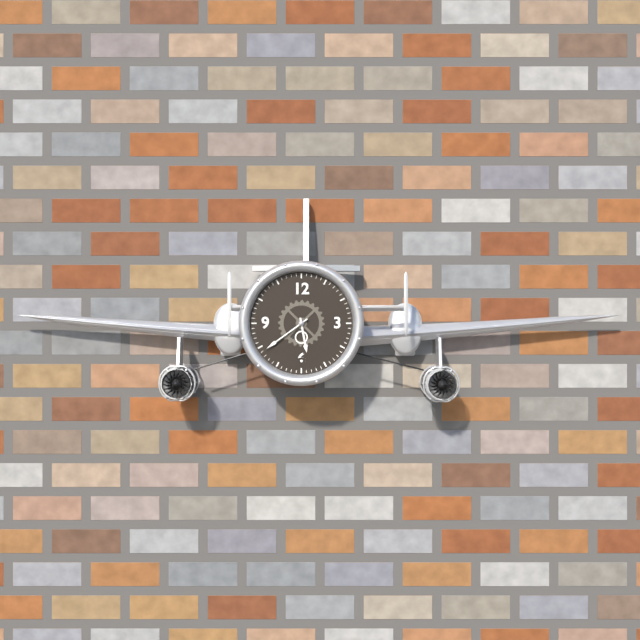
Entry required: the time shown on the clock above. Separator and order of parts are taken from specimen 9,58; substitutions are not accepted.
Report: 5,39
